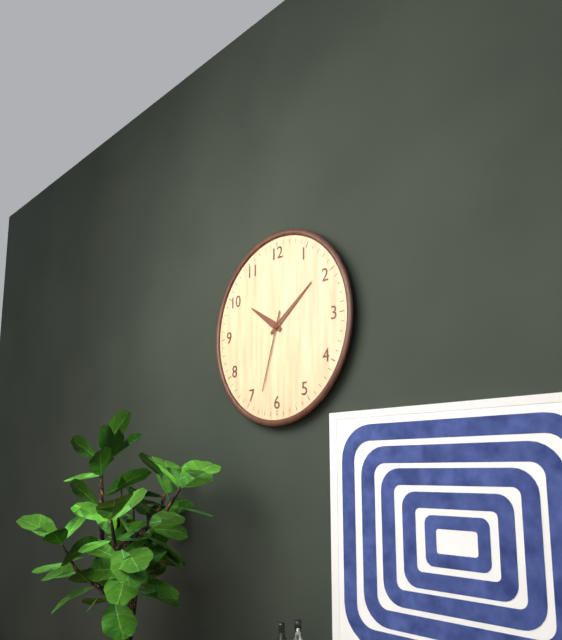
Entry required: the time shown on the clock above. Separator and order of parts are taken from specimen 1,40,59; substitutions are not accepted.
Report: 10,09,33
